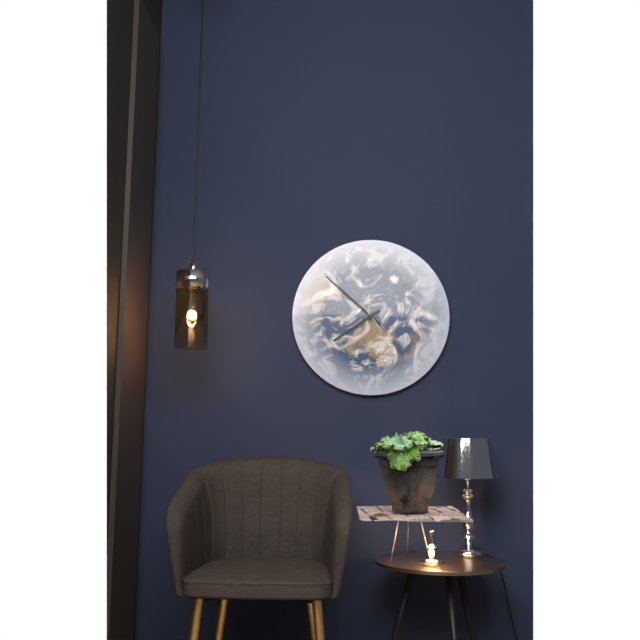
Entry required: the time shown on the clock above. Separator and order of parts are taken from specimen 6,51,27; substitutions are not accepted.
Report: 7,52,54
